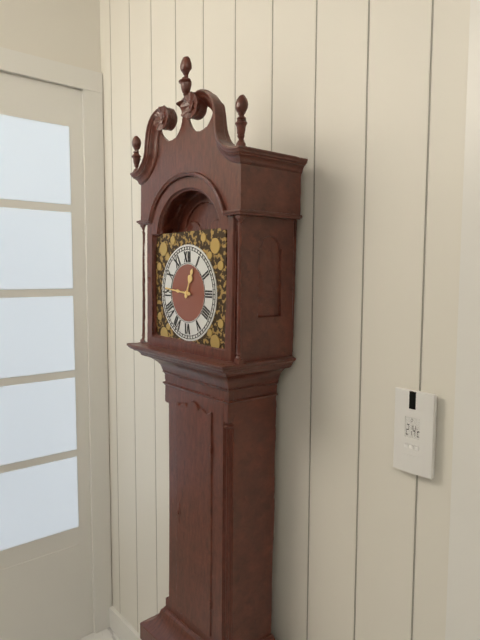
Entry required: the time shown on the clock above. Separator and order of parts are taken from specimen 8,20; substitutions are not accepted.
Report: 12,46
